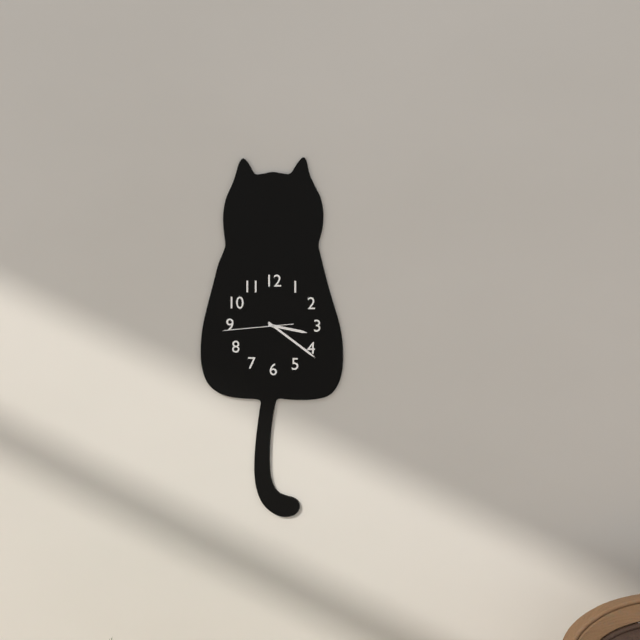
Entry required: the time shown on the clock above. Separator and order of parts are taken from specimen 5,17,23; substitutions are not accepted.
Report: 3,21,44
